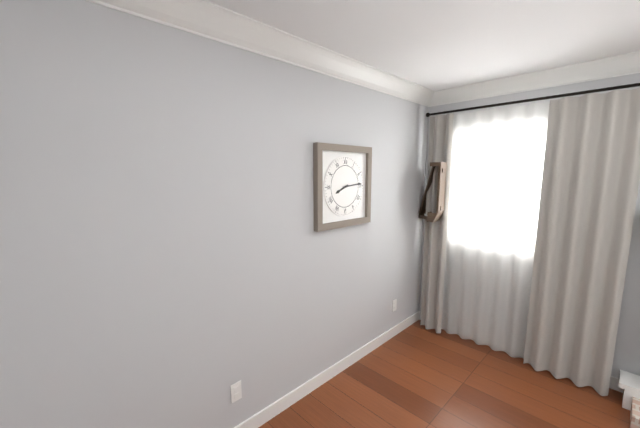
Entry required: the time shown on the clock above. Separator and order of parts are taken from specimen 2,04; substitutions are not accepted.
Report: 8,14
